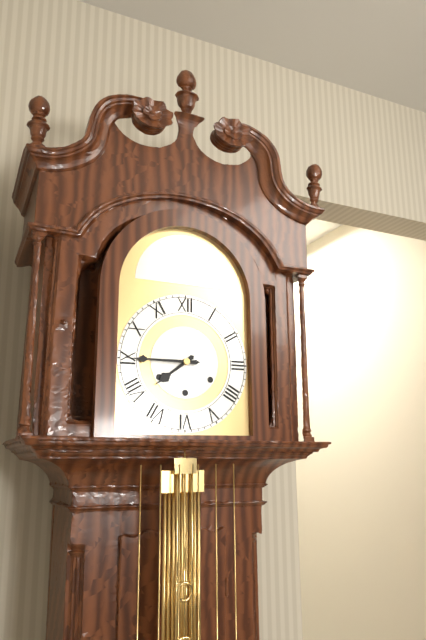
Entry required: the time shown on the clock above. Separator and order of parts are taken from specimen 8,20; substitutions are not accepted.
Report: 7,45
